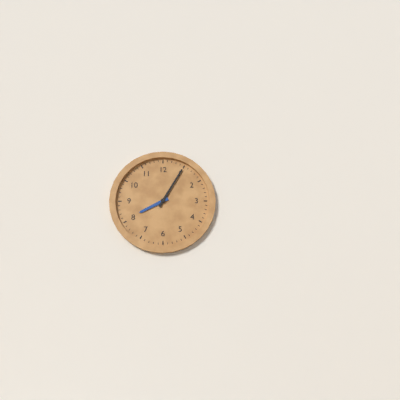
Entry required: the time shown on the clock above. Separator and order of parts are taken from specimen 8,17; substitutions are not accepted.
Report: 8,05
